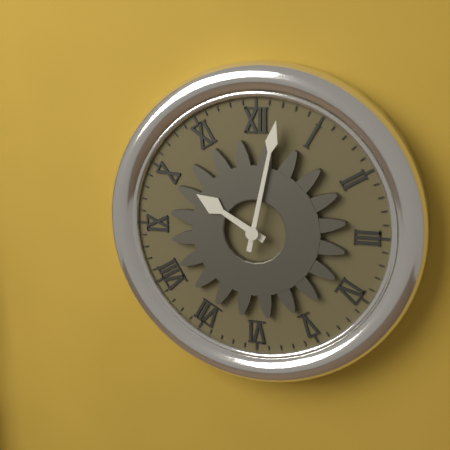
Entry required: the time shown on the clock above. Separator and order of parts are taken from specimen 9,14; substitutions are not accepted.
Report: 10,02
